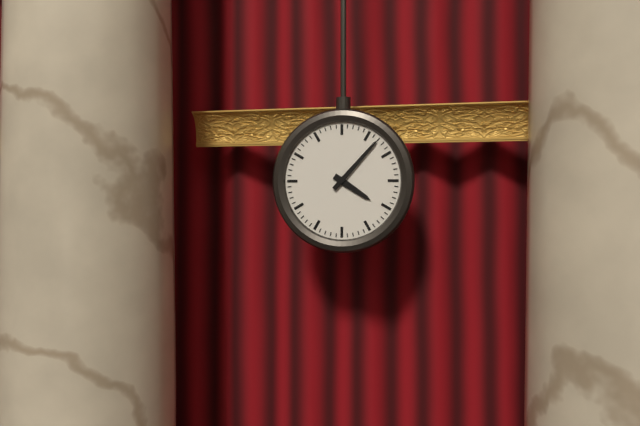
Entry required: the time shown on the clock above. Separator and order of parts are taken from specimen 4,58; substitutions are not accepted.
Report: 4,07
